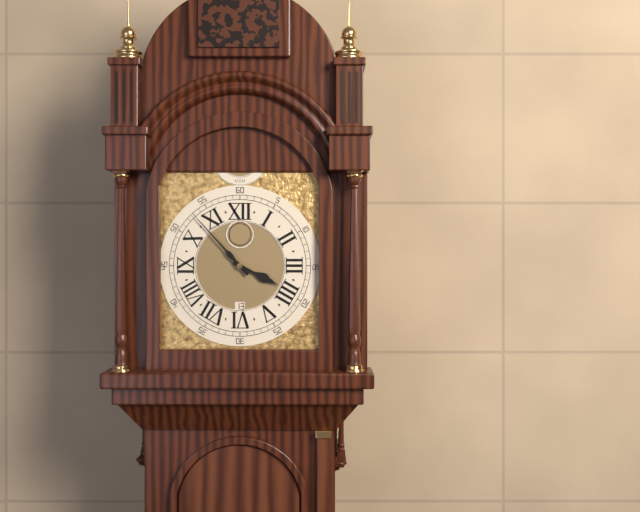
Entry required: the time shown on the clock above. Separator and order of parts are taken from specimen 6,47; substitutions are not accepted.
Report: 3,53
